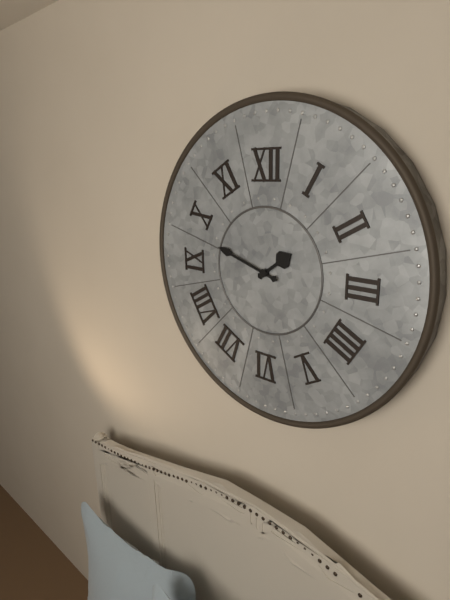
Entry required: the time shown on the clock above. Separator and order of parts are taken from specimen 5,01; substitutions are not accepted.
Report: 1,48
